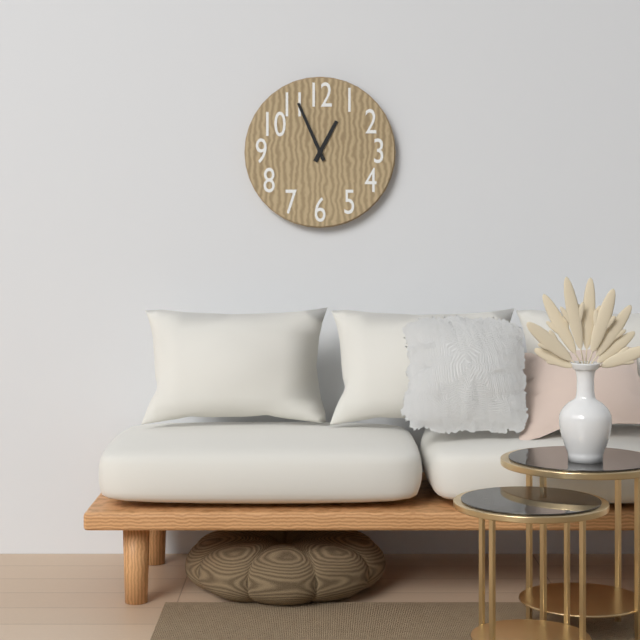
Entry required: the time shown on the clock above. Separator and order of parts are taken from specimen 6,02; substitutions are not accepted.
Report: 12,56
